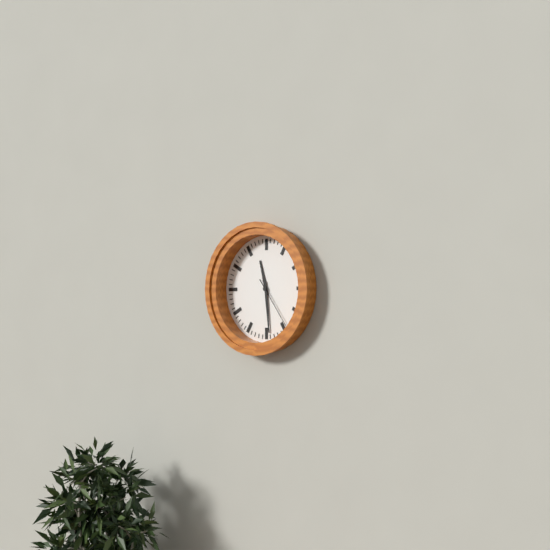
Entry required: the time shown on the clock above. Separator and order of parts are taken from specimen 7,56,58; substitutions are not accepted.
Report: 11,29,24
